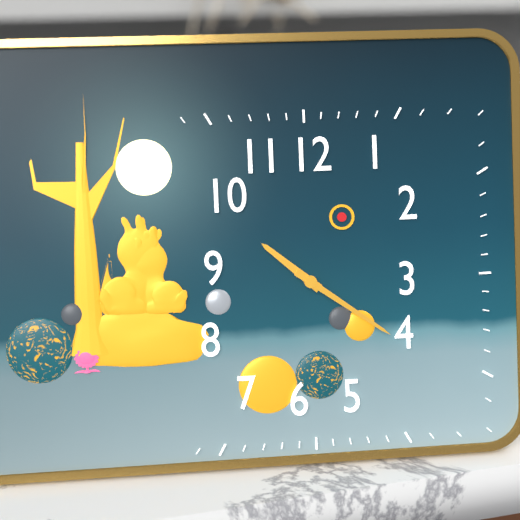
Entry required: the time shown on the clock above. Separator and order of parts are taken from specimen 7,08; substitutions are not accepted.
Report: 10,21
